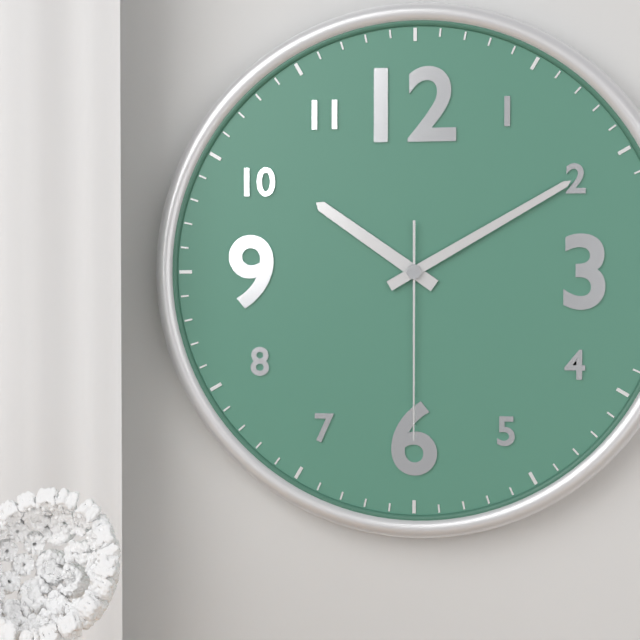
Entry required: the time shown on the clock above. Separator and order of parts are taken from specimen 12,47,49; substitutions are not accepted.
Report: 10,10,30
